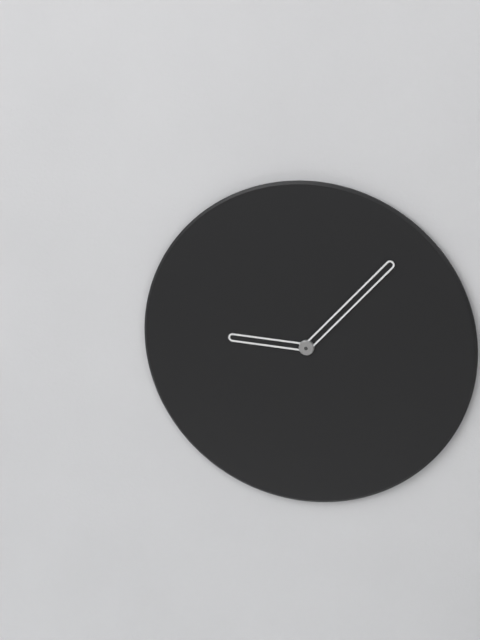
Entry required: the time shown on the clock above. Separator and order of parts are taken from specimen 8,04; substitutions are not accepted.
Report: 9,07
